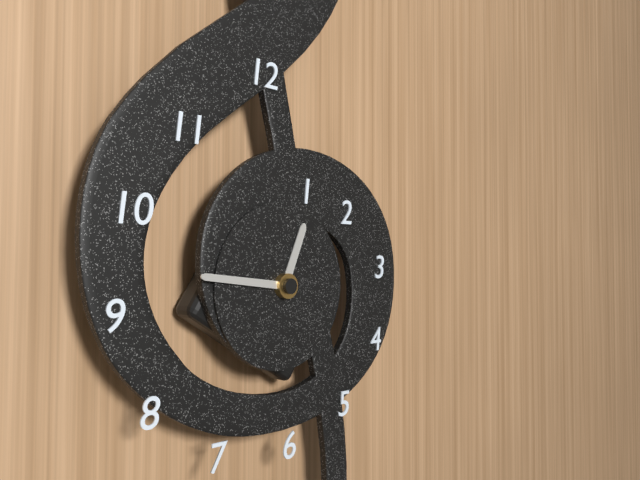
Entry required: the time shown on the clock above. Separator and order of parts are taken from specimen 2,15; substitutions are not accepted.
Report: 12,46
